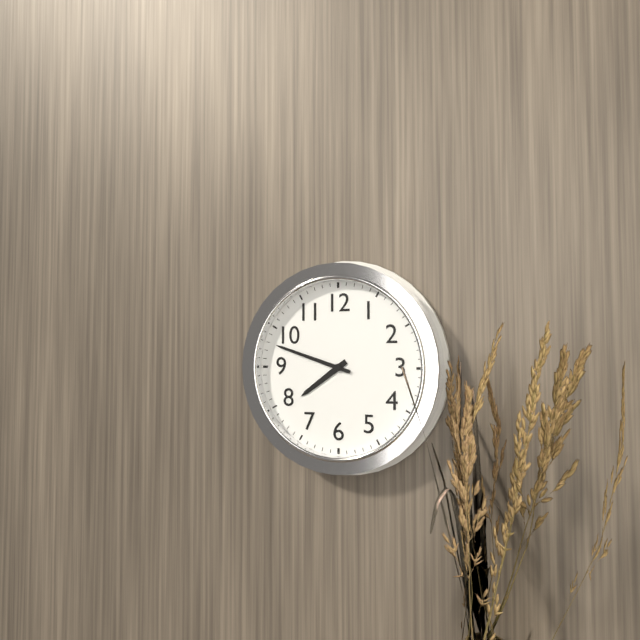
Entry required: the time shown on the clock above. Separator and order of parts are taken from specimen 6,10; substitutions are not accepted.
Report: 7,48
